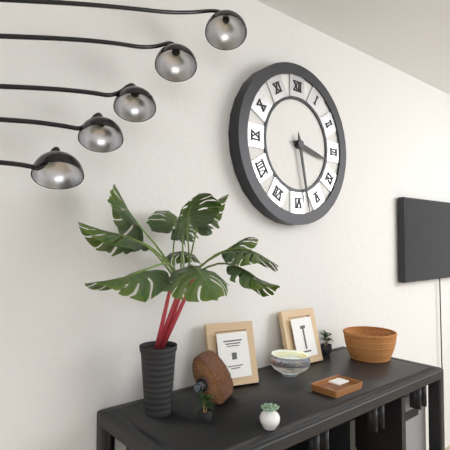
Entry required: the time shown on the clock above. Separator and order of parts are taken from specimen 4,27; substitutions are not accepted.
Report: 3,28
